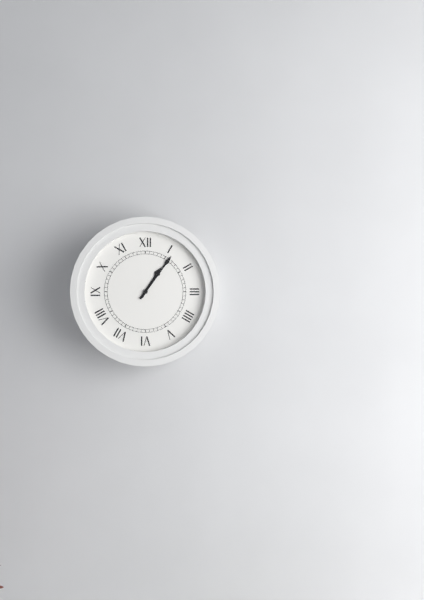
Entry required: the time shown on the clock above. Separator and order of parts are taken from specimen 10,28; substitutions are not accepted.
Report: 1,06
